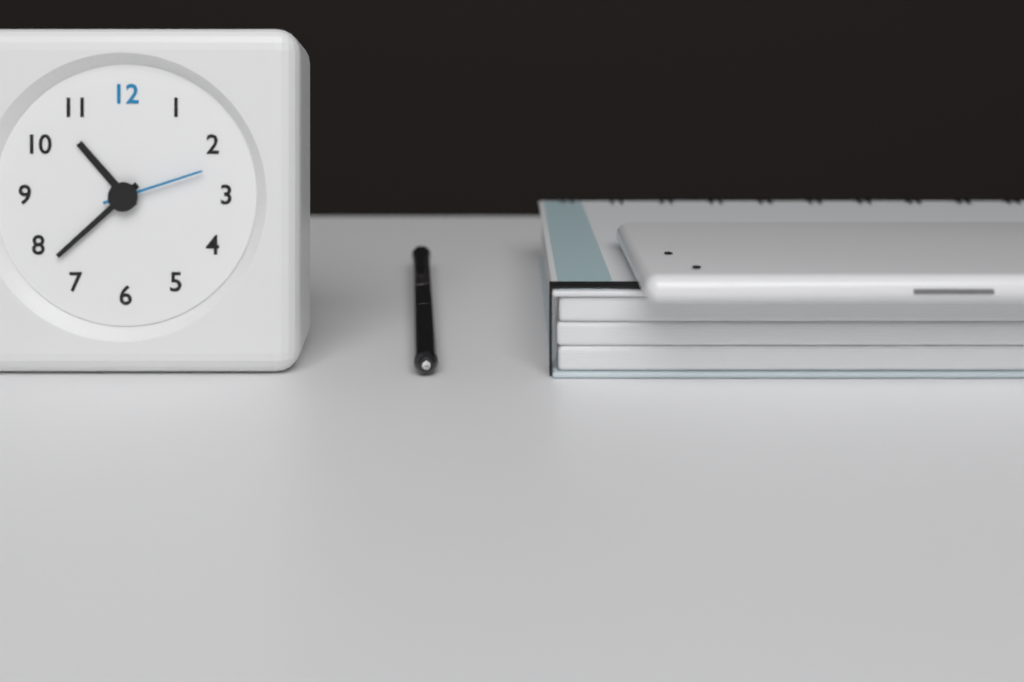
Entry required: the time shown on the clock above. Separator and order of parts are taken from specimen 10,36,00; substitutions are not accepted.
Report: 10,38,12
